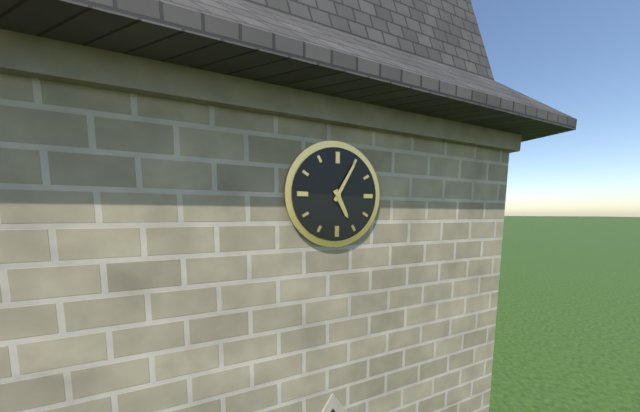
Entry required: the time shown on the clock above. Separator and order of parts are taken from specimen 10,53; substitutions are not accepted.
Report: 5,05
